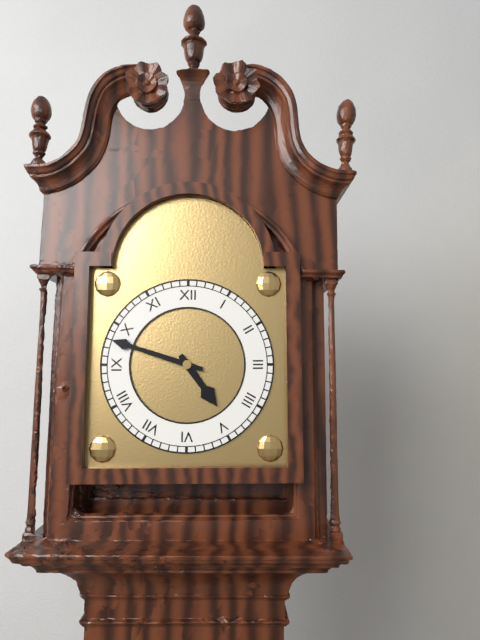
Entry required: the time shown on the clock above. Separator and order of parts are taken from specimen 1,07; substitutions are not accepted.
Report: 4,48
